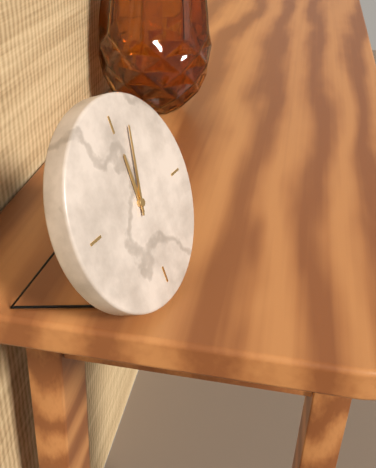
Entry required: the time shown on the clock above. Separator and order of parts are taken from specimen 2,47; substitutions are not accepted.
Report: 12,03
